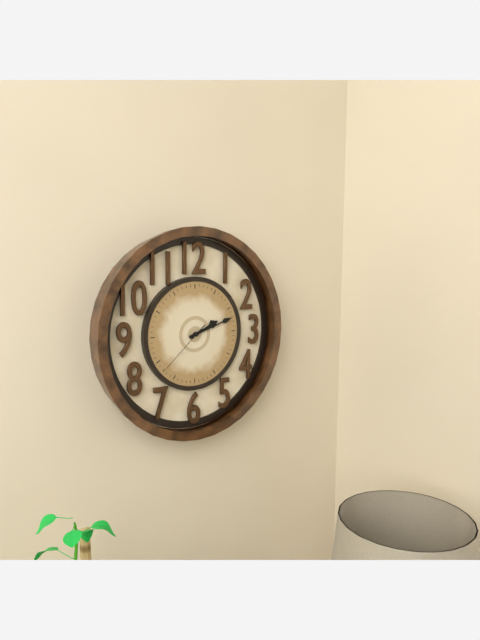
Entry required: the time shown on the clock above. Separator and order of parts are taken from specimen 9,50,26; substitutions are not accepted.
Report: 2,12,38
